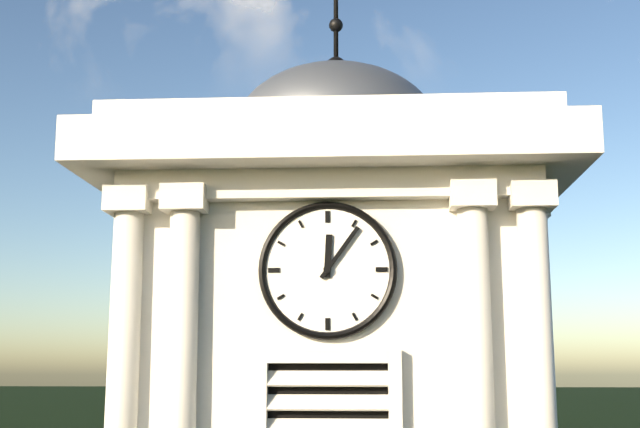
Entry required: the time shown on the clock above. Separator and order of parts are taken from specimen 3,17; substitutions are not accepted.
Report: 12,06
